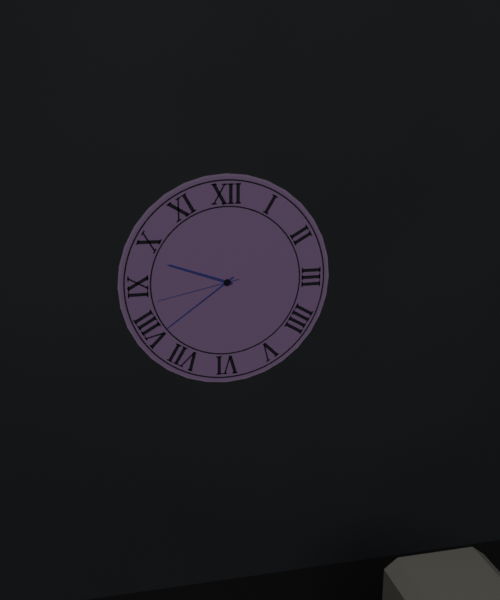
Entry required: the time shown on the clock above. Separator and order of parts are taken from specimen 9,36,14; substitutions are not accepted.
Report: 9,39,43
